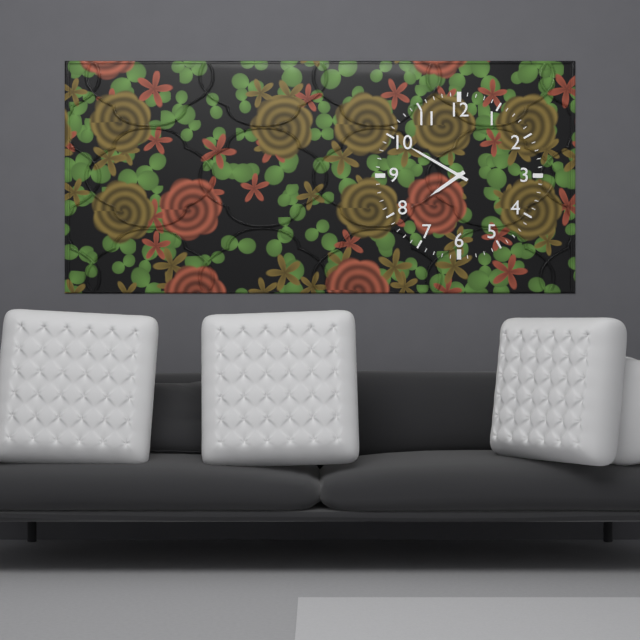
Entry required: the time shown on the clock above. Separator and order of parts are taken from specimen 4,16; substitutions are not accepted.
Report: 7,50
